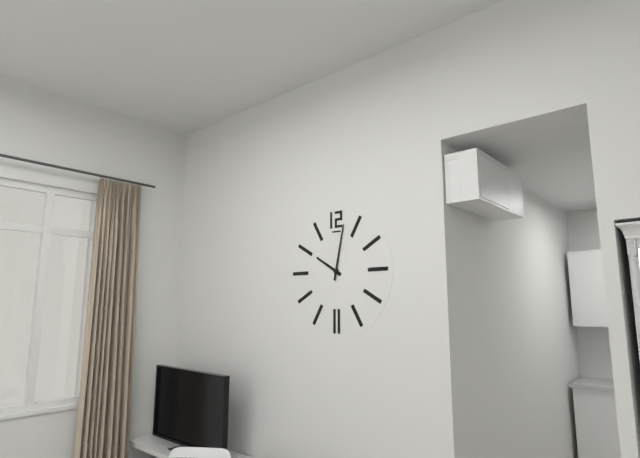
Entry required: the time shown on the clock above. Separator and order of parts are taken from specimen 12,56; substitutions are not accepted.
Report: 10,02
